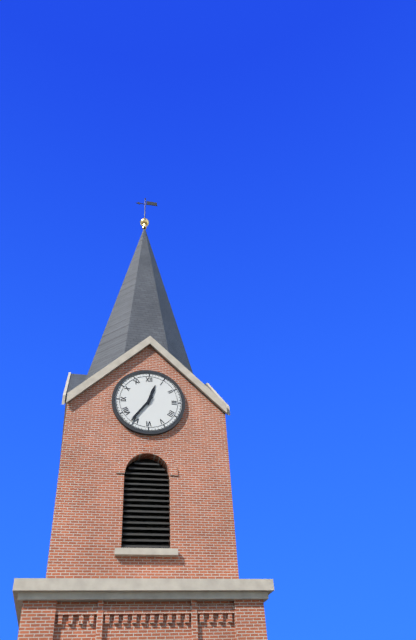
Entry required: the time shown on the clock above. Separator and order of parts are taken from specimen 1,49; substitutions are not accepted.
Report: 12,36
